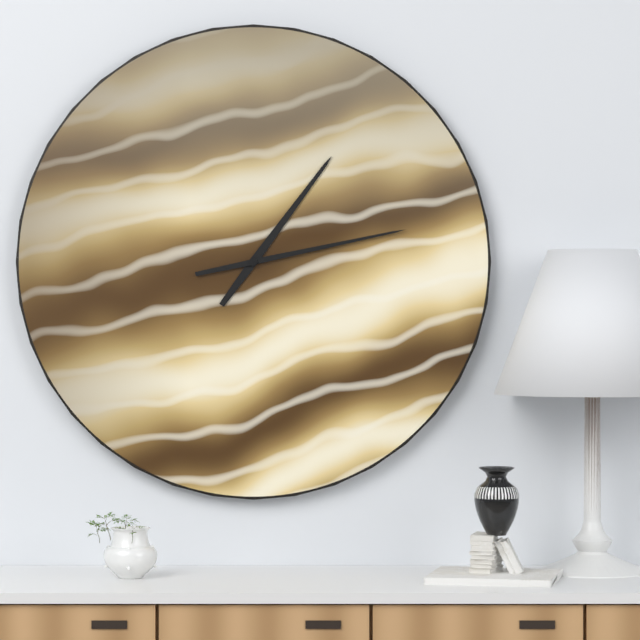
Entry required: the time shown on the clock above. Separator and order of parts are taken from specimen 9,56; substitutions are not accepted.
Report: 1,13
